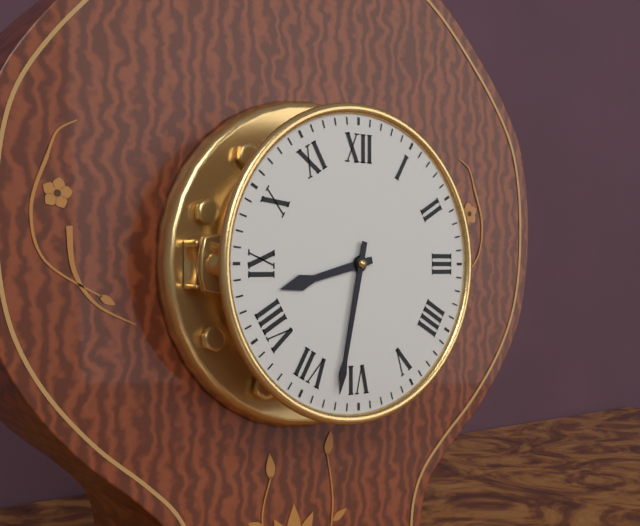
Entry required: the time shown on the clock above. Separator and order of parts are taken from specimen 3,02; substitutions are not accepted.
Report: 8,32
